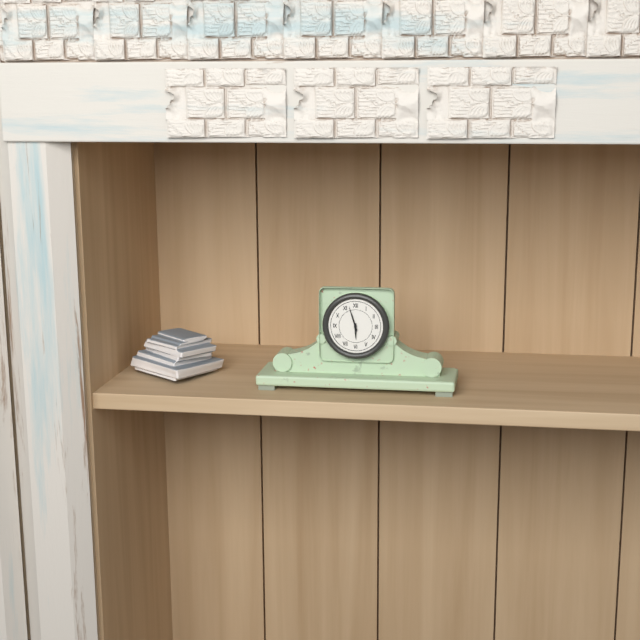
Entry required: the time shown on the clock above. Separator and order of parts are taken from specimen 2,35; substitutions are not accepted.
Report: 5,57
